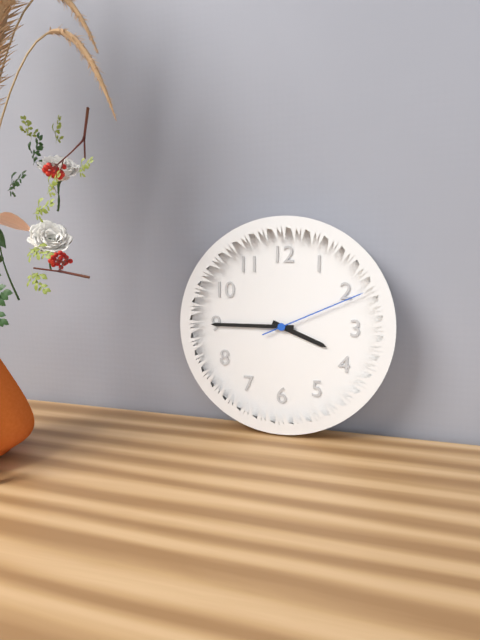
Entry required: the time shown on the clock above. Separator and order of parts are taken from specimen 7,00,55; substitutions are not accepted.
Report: 3,45,11
